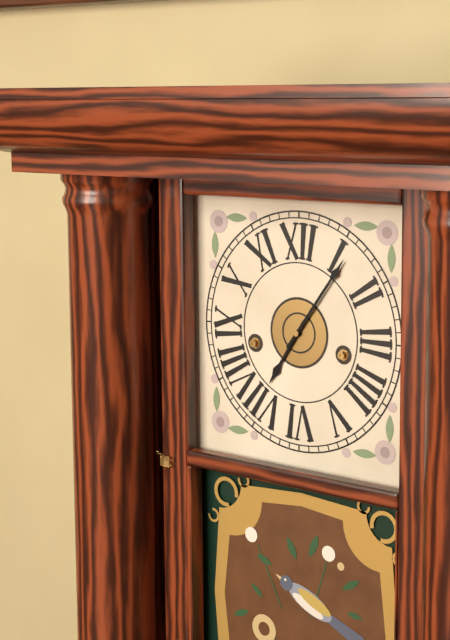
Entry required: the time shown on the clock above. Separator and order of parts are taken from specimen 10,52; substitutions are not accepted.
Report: 7,06
